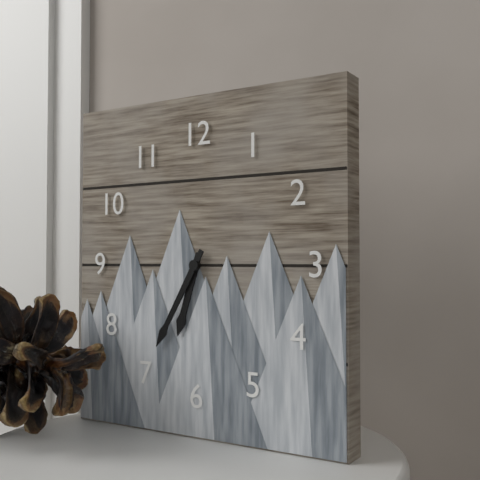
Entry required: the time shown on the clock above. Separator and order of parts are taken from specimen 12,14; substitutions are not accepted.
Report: 6,35
